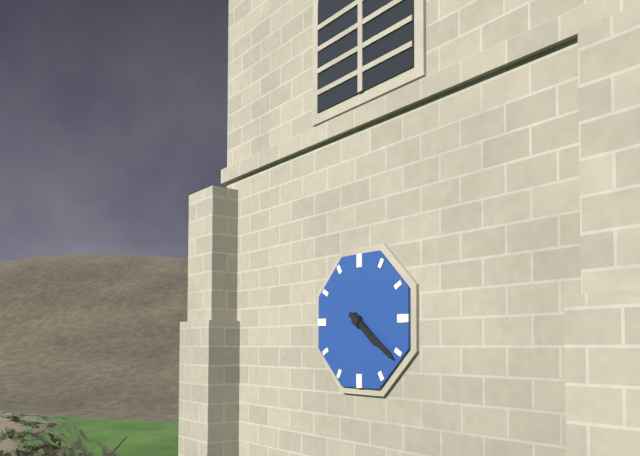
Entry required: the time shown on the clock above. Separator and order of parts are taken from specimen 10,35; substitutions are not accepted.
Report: 4,21
